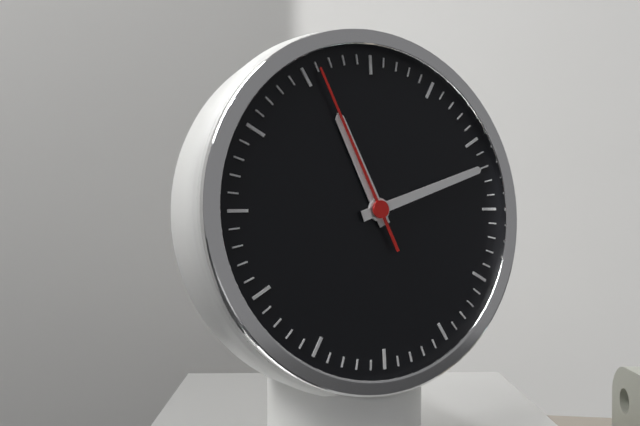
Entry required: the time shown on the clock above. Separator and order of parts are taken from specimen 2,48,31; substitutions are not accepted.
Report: 11,12,56
